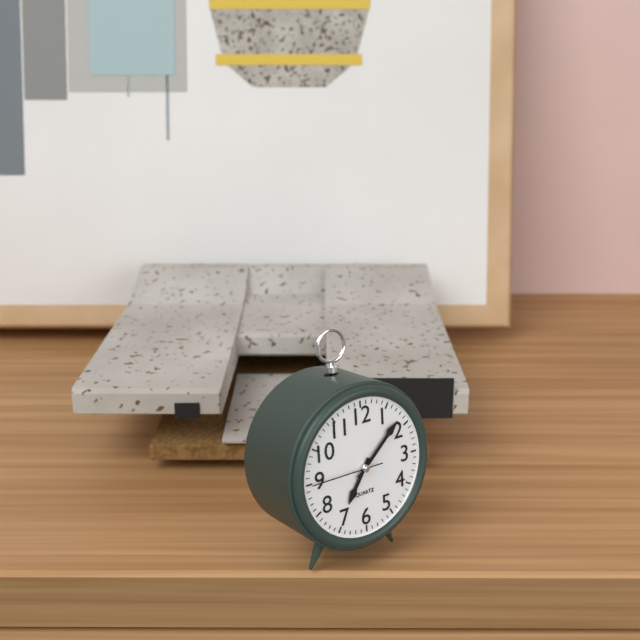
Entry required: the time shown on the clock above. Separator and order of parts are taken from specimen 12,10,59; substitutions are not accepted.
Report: 7,08,45
